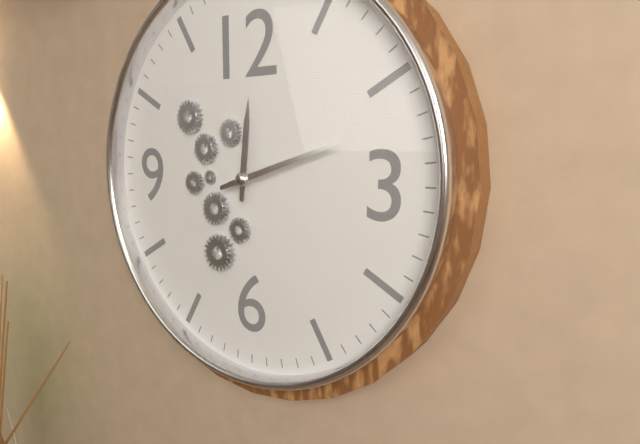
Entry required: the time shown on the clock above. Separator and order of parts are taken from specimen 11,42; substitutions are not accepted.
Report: 12,12
